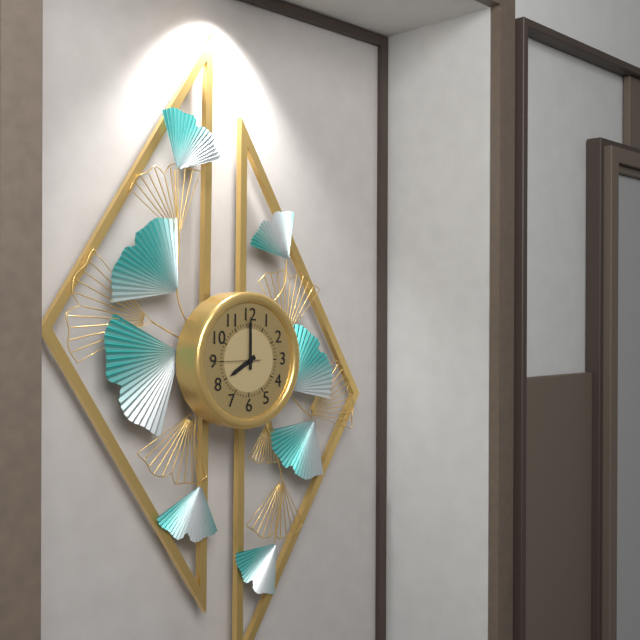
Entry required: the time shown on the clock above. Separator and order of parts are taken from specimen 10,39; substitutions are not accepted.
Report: 8,00
